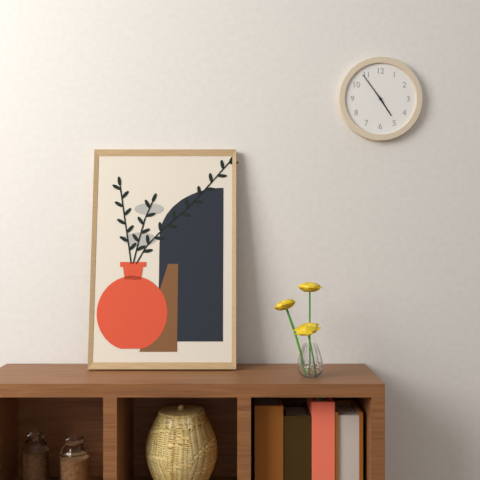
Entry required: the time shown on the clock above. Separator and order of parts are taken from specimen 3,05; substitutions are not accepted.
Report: 4,54
